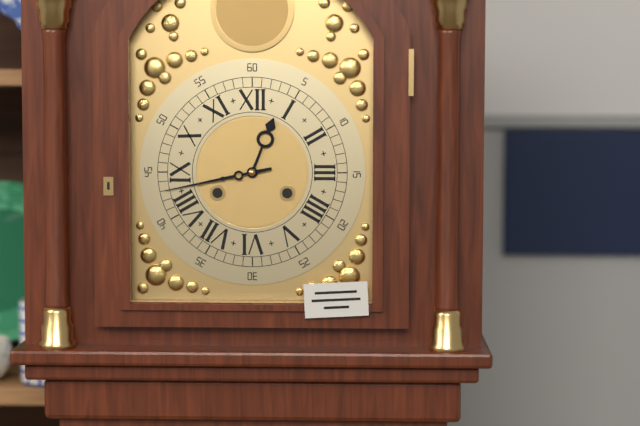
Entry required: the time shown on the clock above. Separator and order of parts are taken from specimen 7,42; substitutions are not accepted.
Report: 12,43
